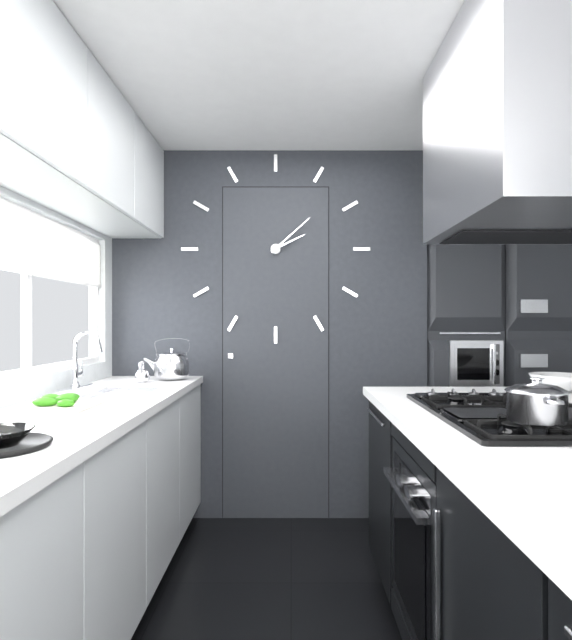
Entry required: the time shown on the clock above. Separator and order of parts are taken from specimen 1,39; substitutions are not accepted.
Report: 2,08
